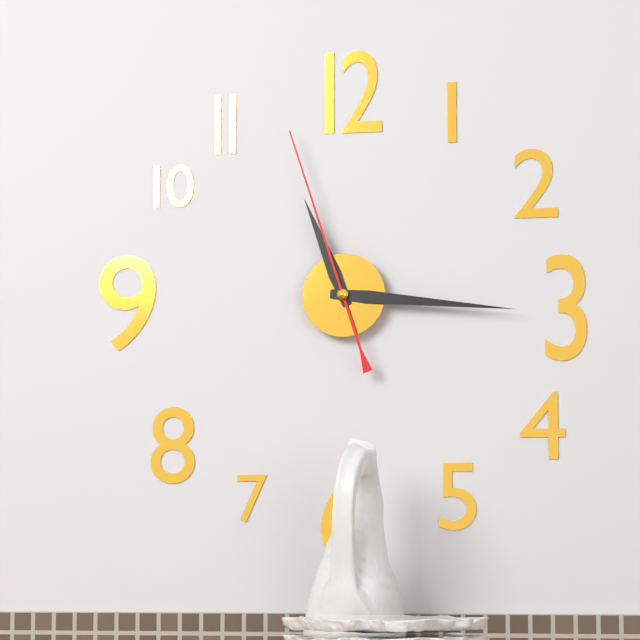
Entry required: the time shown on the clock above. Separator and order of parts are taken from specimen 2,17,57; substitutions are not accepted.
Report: 11,16,57
